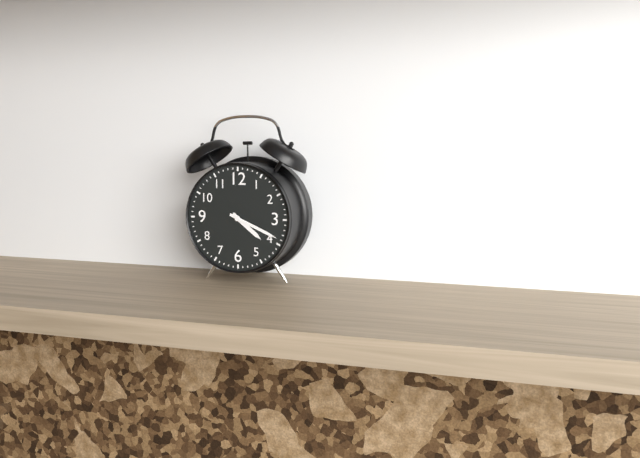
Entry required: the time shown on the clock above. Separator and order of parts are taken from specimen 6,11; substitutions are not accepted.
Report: 4,19
